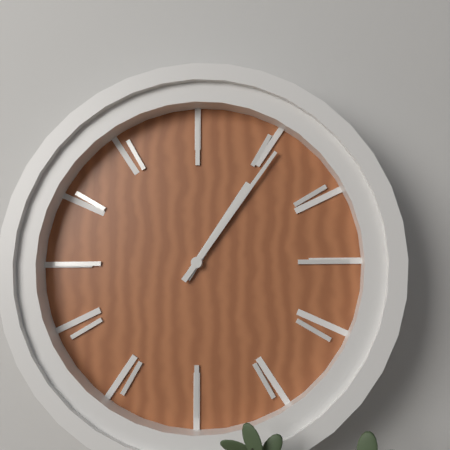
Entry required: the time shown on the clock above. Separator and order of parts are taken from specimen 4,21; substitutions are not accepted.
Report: 1,06
